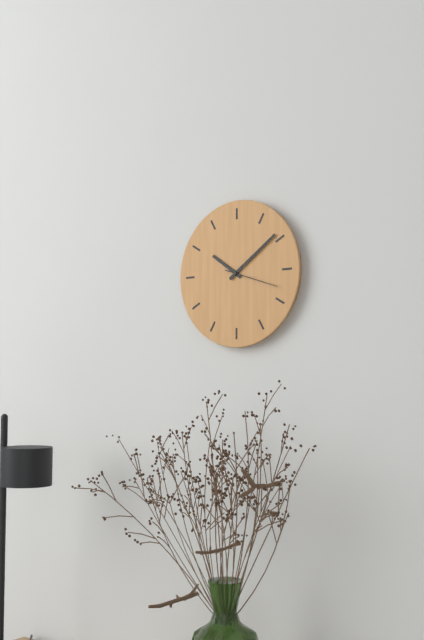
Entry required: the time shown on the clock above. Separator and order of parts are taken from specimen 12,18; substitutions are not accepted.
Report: 10,09
